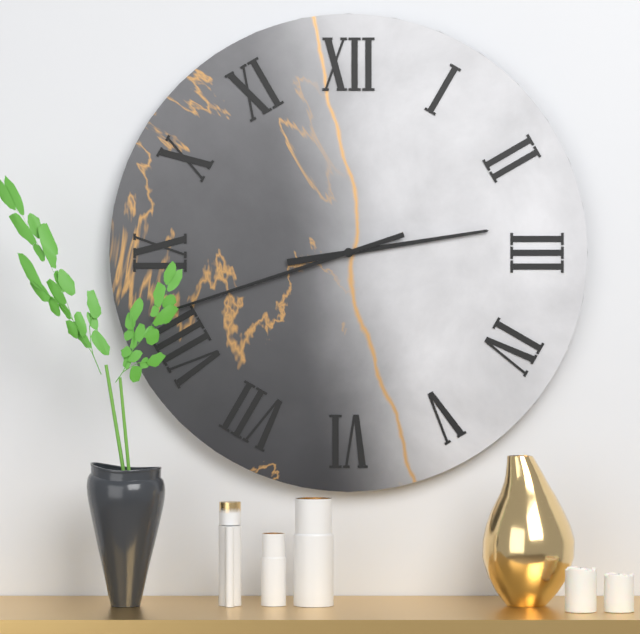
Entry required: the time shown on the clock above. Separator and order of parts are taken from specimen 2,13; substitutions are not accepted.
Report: 2,42
